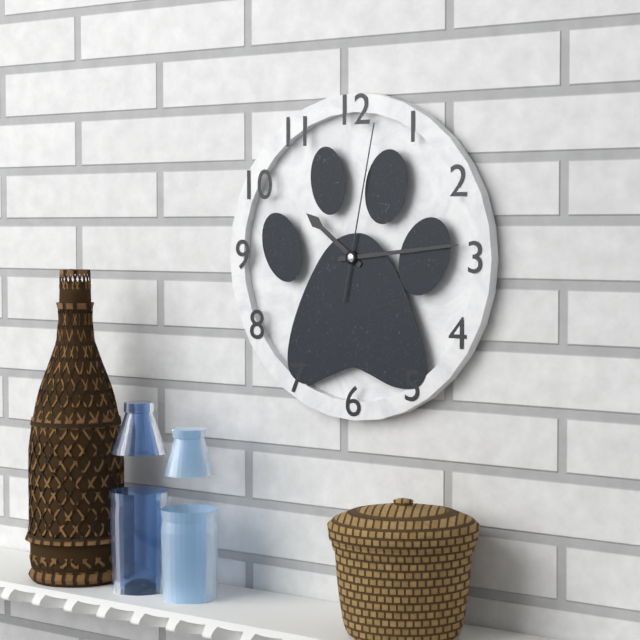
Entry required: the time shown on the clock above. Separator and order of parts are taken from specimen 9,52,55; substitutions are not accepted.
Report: 10,14,02
